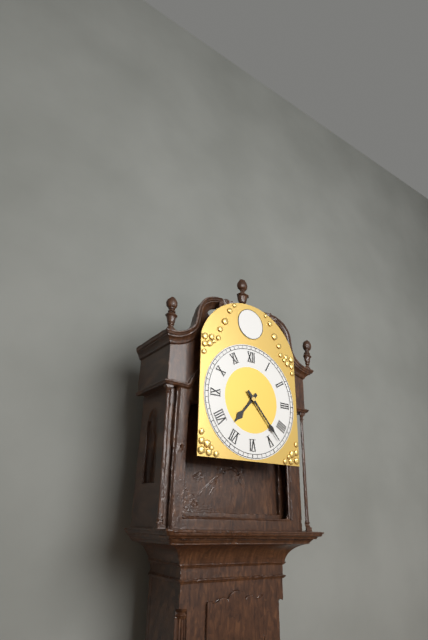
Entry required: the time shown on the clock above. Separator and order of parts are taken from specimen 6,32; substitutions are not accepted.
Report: 7,23
